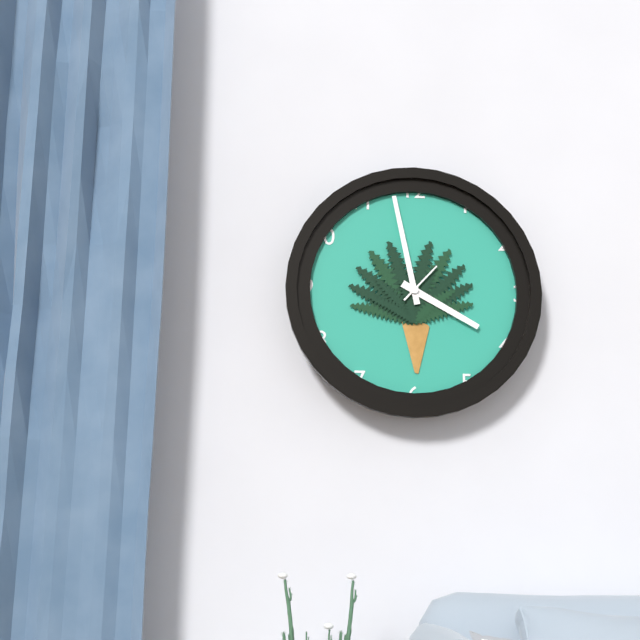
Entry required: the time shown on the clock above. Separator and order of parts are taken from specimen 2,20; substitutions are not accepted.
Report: 3,58
